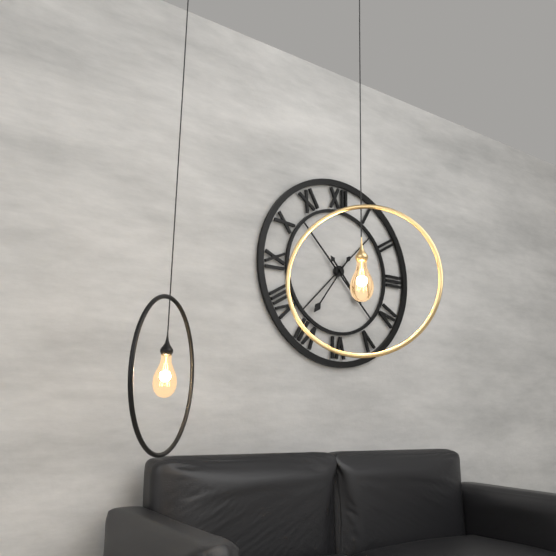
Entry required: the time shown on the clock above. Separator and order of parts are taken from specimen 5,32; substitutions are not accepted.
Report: 4,36
